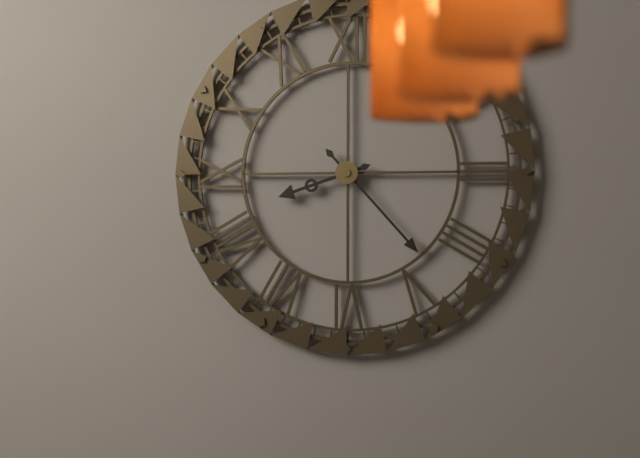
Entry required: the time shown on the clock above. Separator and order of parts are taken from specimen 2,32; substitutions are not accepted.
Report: 8,23
